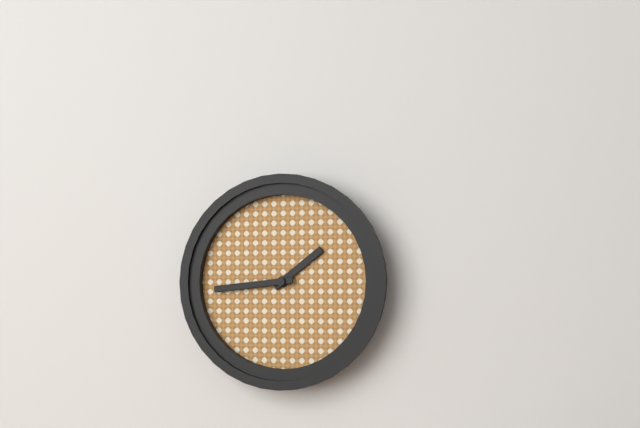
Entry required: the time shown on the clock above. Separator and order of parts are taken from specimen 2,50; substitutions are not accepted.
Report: 1,44
